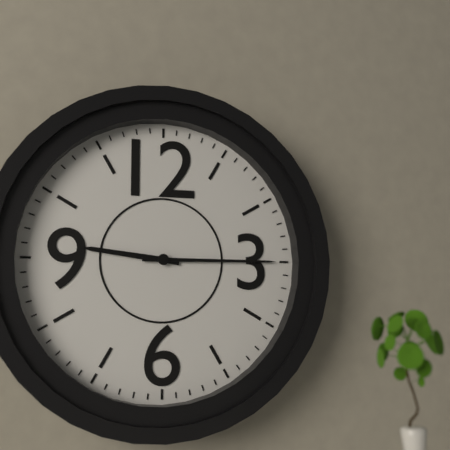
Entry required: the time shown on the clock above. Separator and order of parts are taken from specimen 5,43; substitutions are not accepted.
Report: 9,15
